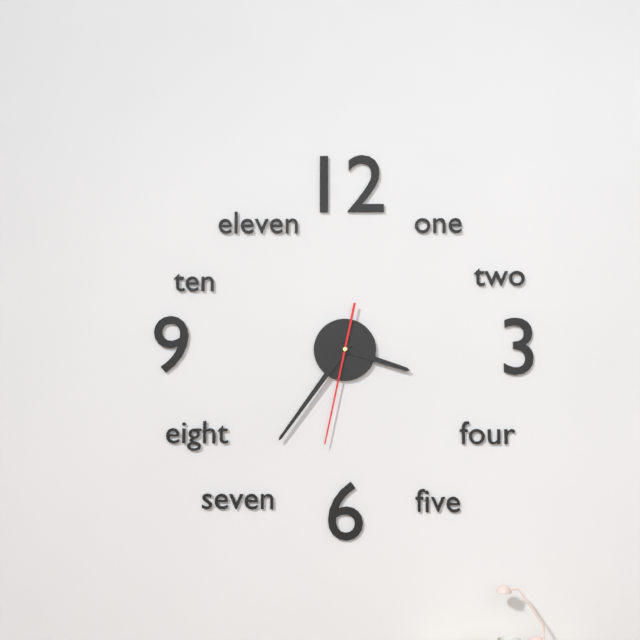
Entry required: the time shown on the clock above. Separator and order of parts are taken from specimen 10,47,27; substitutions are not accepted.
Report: 3,36,32
